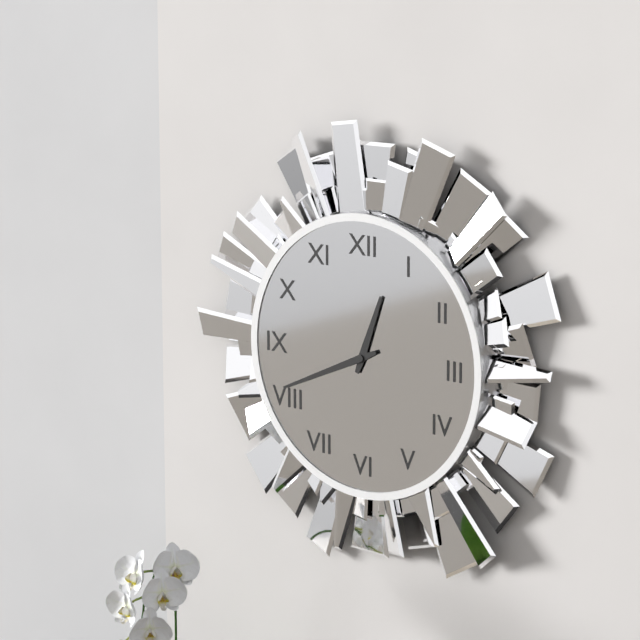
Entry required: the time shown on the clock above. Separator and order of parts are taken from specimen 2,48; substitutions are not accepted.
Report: 12,41
